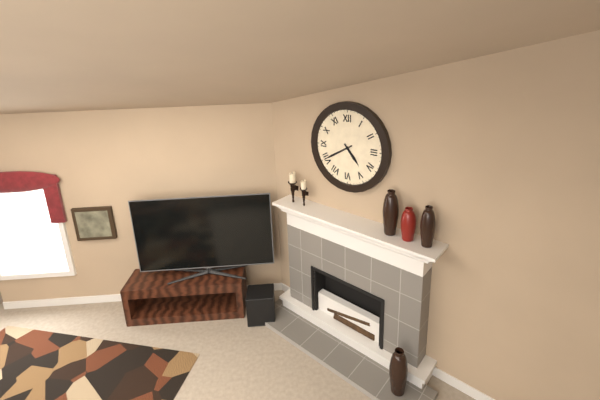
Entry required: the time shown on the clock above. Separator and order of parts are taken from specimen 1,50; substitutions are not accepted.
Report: 4,40
